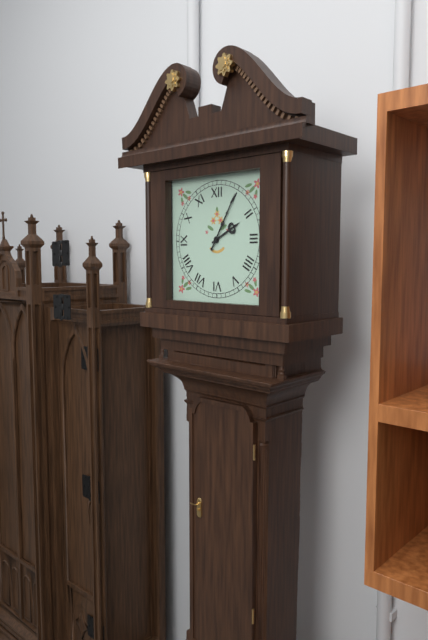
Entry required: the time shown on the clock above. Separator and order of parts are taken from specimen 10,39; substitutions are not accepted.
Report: 2,05
